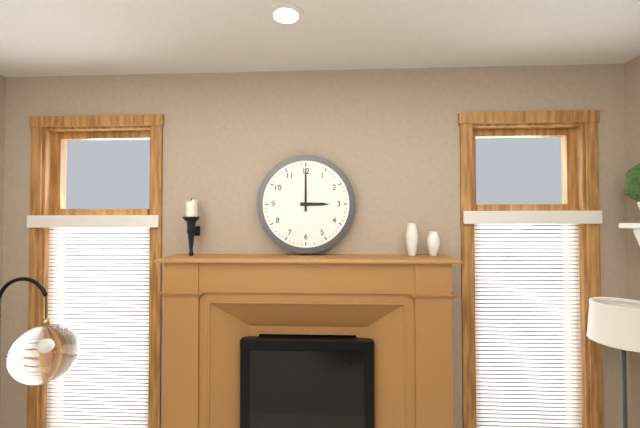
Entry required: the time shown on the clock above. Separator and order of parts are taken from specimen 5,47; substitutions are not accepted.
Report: 3,00
